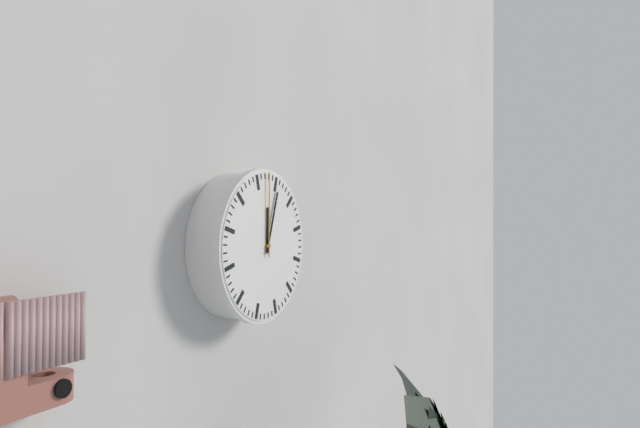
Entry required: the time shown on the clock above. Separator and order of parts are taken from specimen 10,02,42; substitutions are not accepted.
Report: 12,03,00
